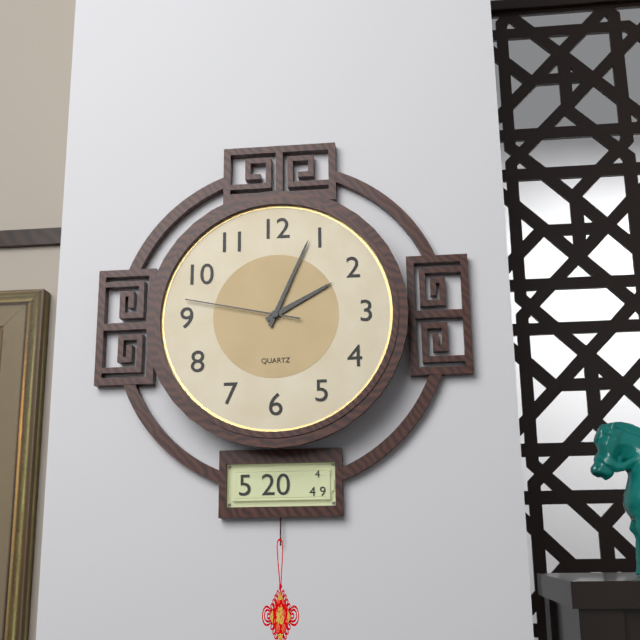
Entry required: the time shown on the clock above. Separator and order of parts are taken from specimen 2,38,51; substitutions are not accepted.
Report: 2,04,47
